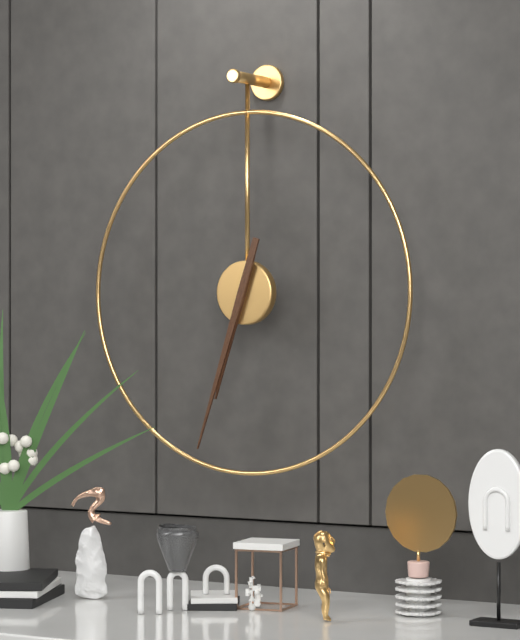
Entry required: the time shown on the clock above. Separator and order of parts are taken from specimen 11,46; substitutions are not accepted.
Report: 6,33
